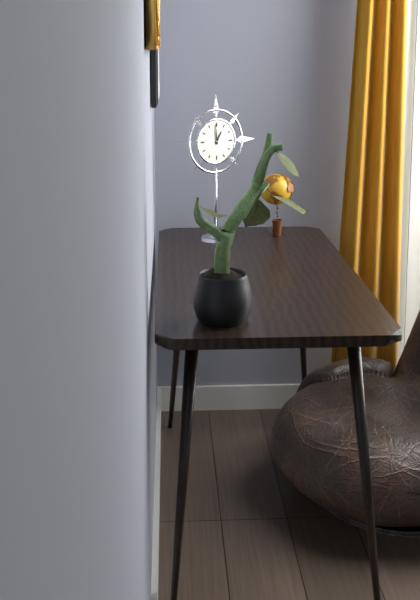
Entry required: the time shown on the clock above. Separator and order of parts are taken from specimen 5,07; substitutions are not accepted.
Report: 12,59
